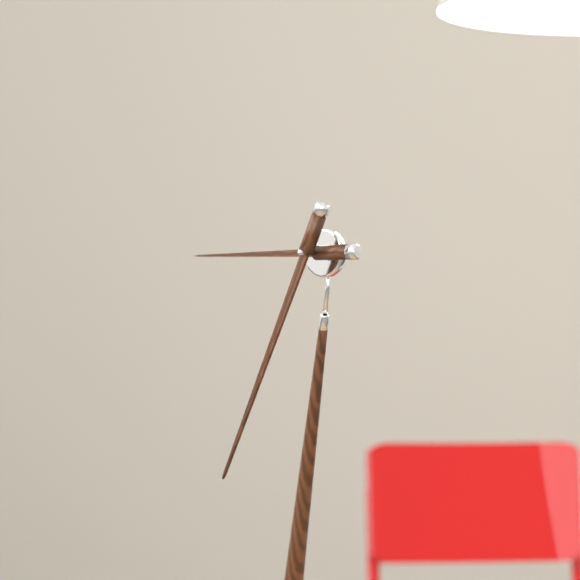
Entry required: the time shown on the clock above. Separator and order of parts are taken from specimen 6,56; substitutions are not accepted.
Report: 8,32
